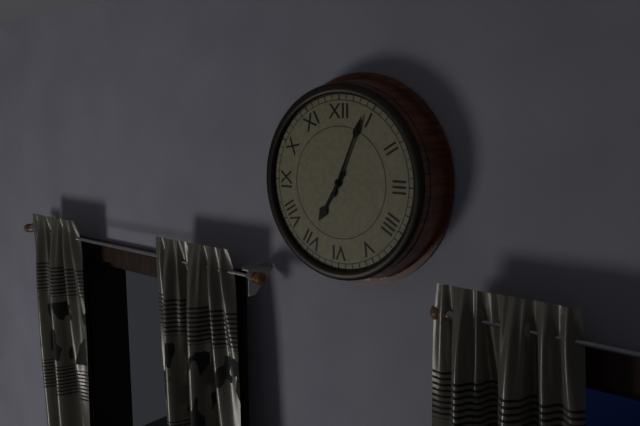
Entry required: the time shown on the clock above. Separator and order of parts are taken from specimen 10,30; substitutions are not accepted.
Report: 7,04
